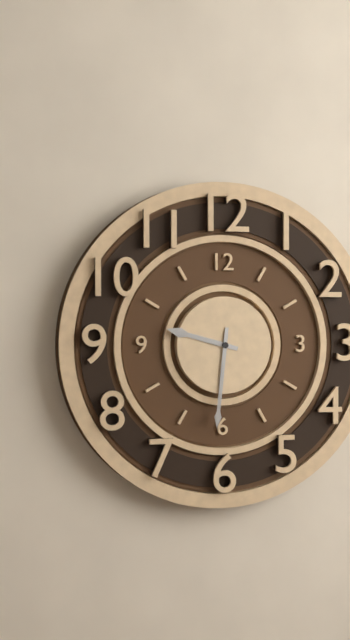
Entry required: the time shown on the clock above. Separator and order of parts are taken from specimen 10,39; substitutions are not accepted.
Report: 9,31
